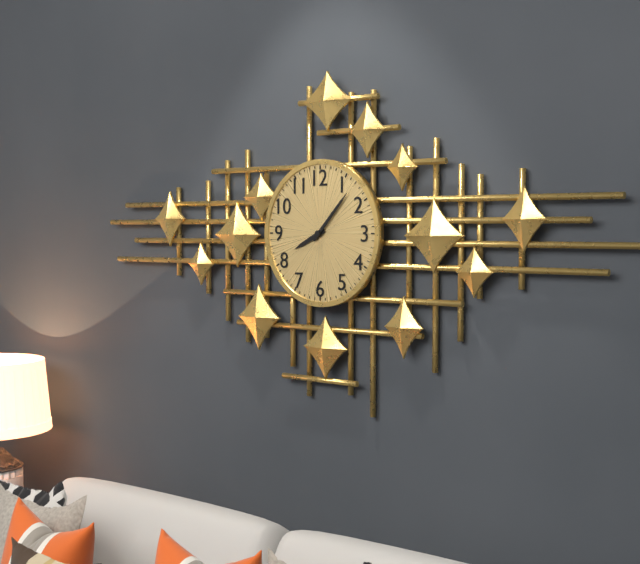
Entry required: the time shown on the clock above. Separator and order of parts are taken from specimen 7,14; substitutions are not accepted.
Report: 8,07
